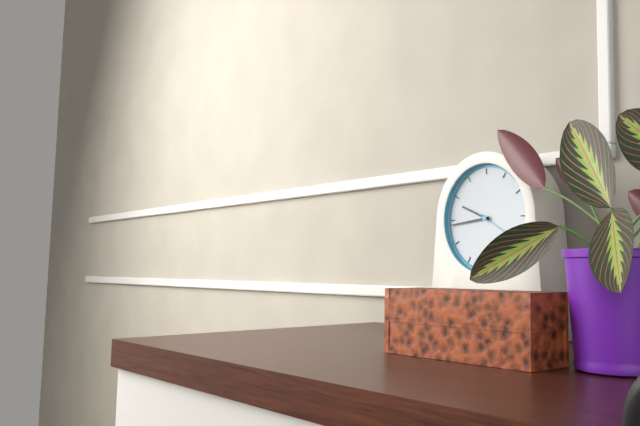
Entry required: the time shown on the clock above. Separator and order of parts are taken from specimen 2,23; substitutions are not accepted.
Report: 9,44
